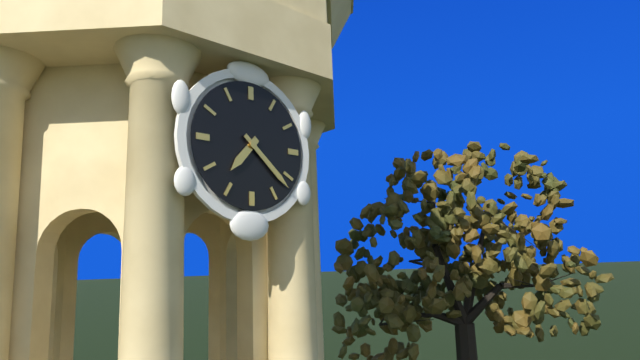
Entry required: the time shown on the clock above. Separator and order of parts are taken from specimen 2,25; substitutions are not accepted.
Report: 7,22
